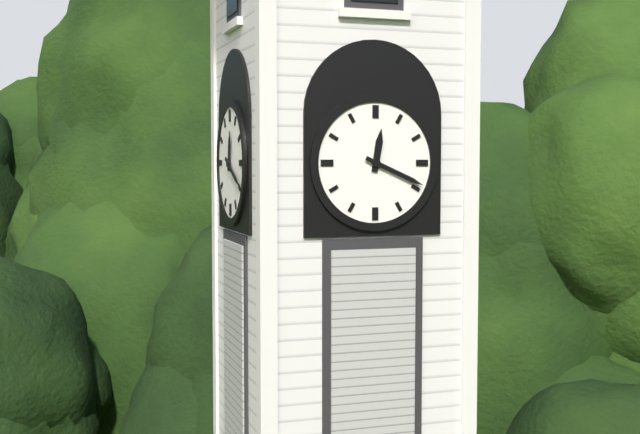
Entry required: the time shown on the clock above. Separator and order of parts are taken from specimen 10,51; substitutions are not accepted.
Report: 12,19
